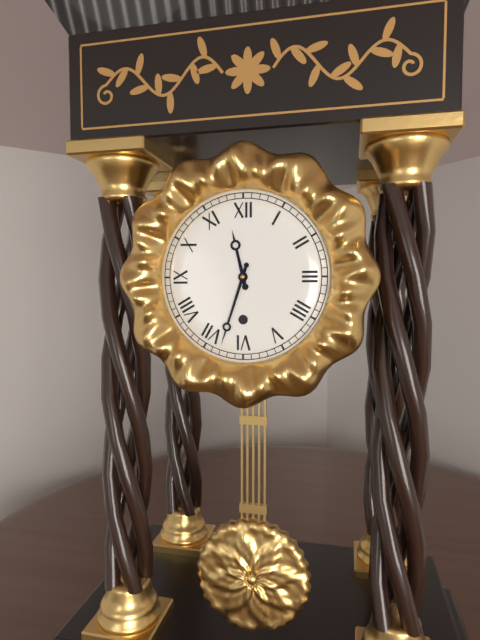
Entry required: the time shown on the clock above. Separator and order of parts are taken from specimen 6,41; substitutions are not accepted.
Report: 11,33
